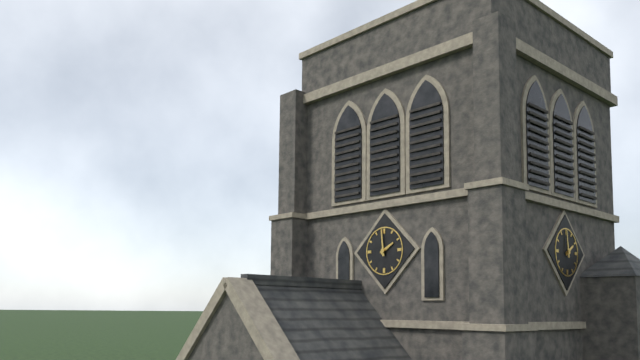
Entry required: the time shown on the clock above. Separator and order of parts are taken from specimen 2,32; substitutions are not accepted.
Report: 1,59
